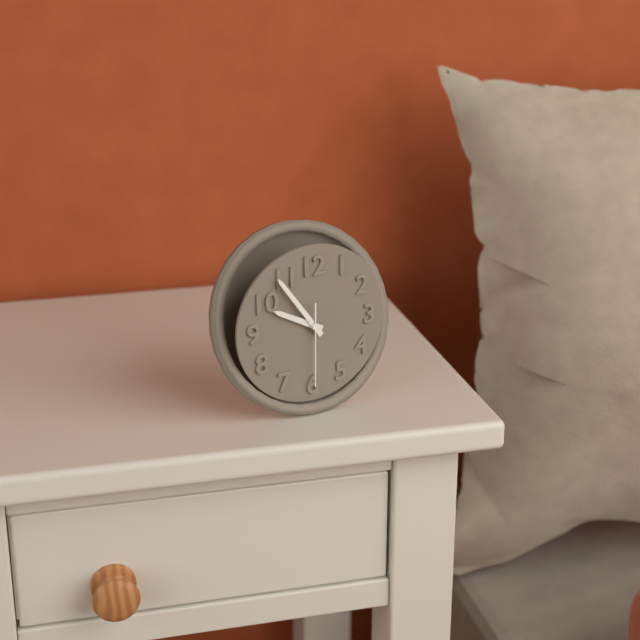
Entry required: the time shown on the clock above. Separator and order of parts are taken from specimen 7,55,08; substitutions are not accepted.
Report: 9,54,30
